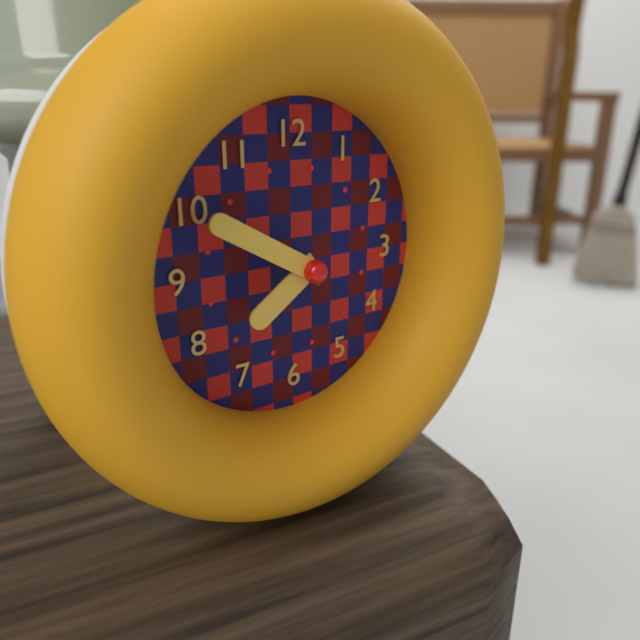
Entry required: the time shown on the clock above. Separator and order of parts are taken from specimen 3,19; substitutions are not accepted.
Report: 7,50
